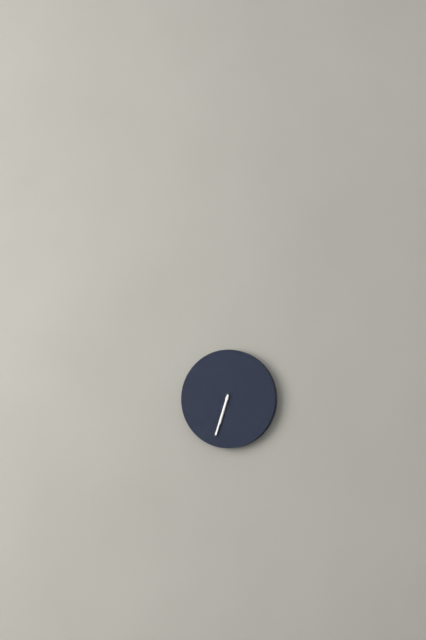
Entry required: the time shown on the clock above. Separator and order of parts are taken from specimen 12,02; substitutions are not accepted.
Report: 6,33
